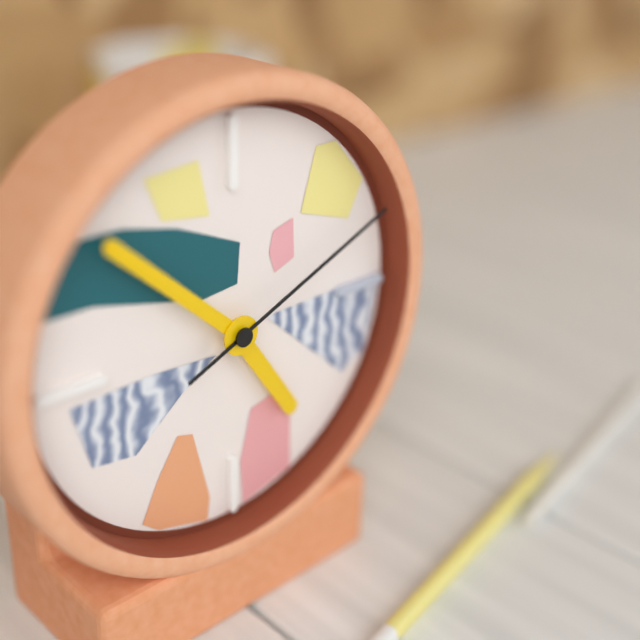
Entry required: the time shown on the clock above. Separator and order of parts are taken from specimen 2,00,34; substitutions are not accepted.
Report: 4,52,11
